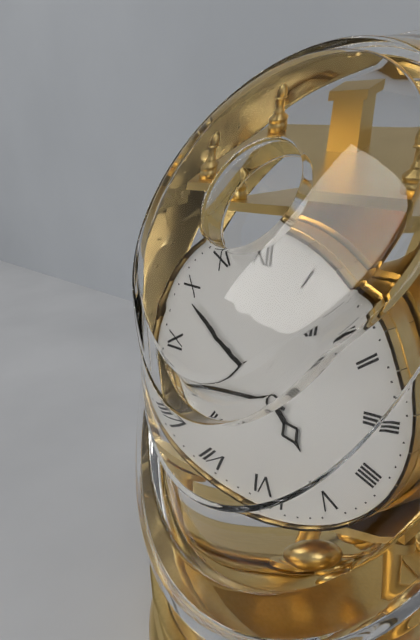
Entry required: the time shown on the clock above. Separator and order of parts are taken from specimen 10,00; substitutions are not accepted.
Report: 4,49
